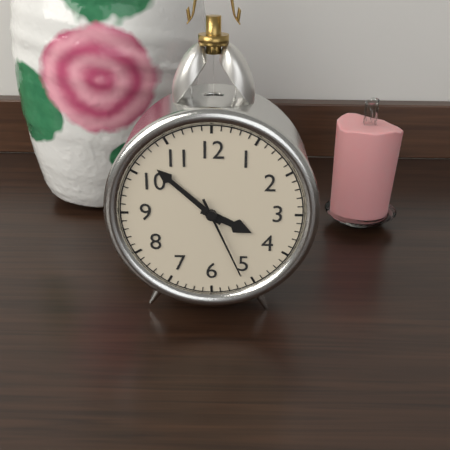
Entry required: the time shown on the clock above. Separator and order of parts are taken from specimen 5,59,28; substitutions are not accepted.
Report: 3,52,26
